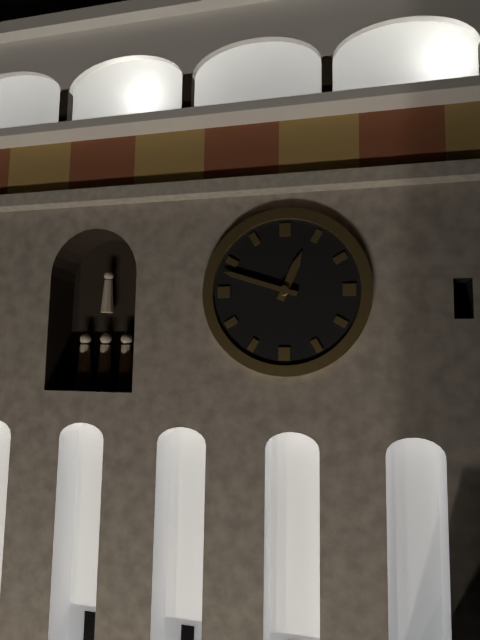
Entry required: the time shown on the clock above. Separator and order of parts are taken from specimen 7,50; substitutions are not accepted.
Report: 12,48
